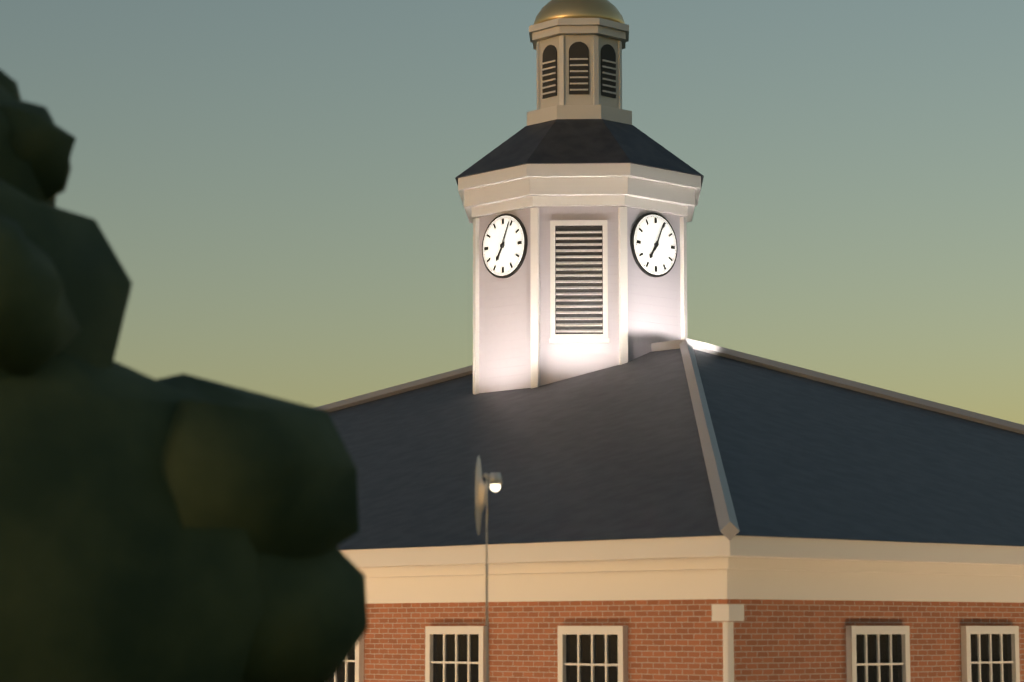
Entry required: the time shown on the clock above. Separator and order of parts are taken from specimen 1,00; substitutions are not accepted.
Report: 7,04
